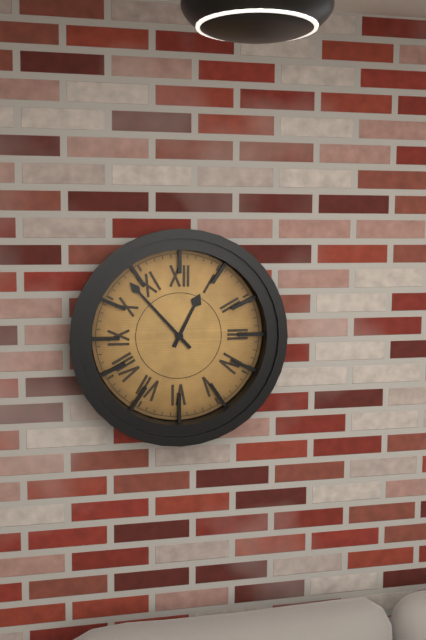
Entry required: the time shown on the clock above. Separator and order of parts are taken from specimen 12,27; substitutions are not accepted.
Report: 12,53
